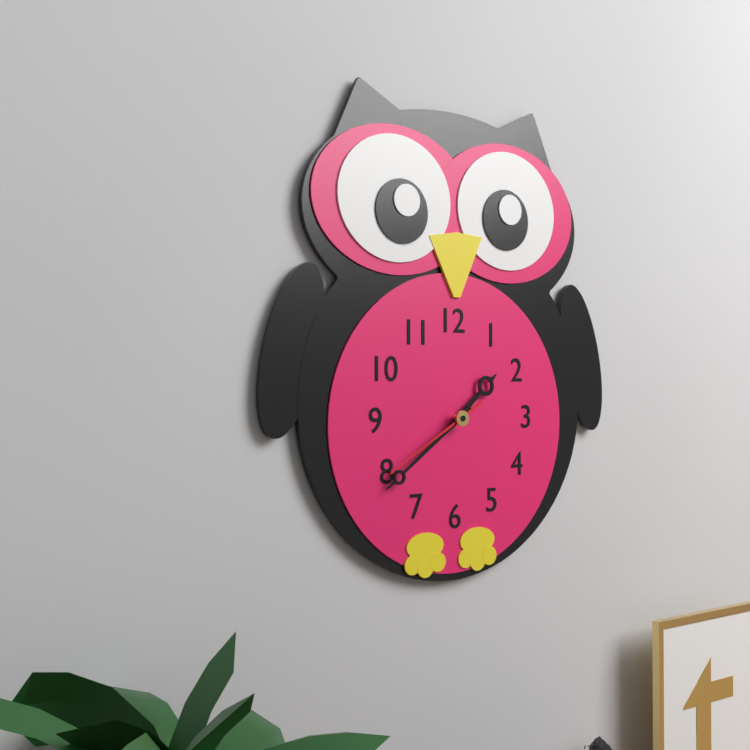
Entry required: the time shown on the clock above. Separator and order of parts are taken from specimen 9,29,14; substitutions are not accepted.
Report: 1,39,40
